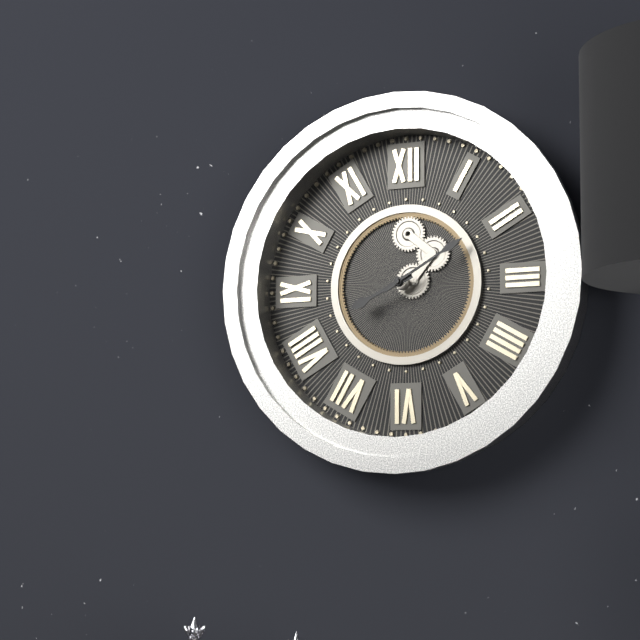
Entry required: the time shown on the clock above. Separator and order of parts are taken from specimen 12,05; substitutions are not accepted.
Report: 8,10
